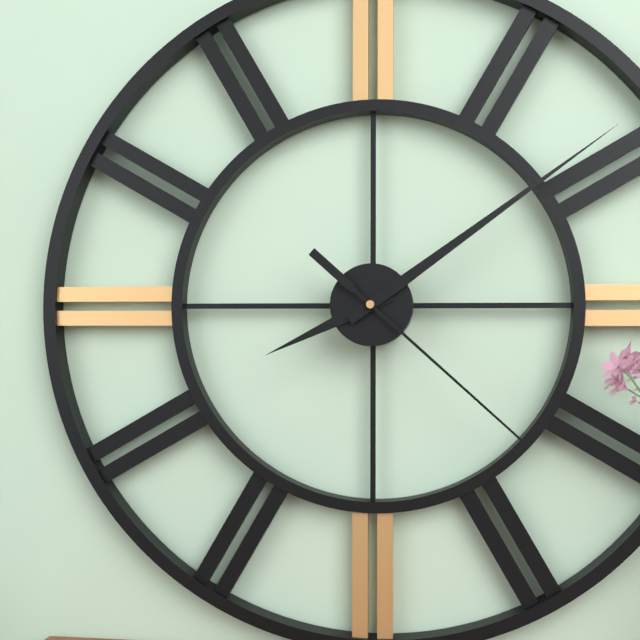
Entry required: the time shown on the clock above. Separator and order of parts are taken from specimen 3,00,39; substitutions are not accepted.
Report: 8,09,22
